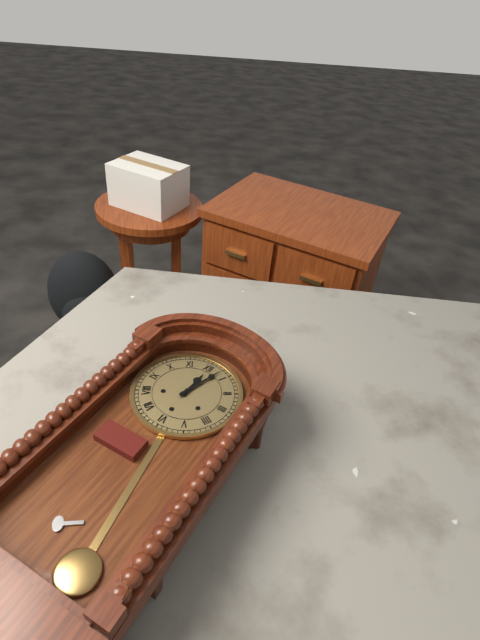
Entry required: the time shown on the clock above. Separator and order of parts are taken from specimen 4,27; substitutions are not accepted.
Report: 12,03
